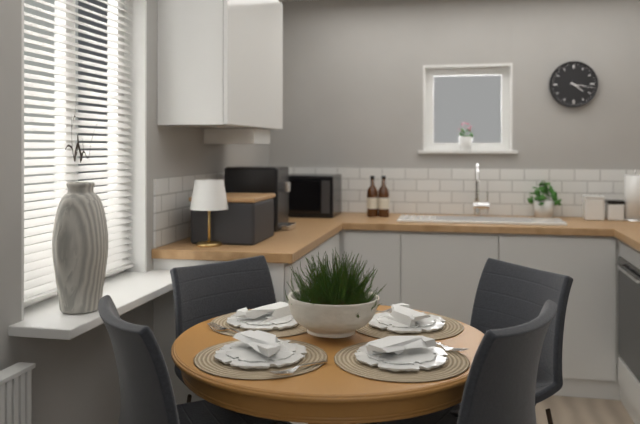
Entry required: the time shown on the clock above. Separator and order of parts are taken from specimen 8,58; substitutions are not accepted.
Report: 4,17
